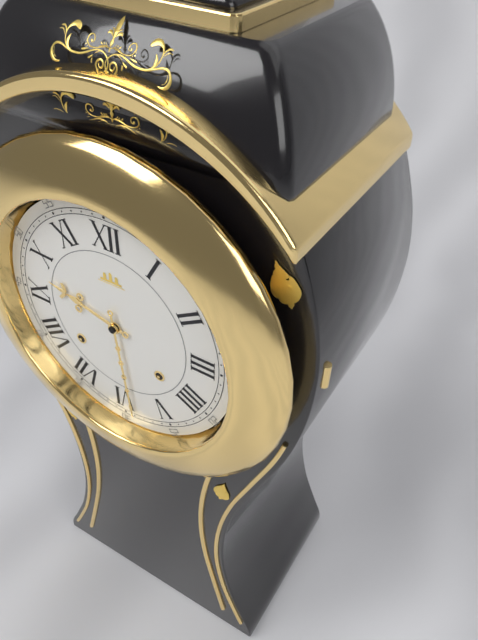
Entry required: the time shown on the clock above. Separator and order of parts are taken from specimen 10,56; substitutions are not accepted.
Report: 9,29
